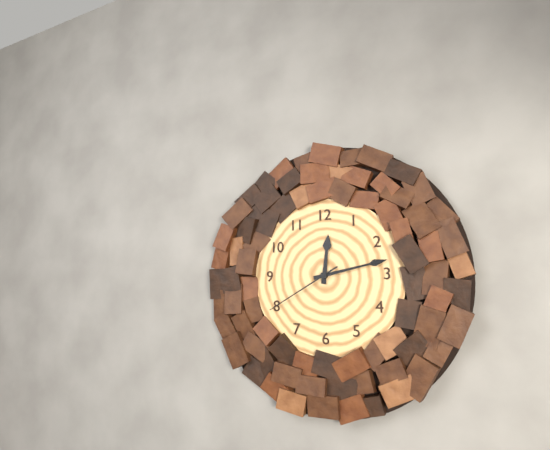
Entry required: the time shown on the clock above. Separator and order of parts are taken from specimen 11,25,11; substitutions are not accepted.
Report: 12,13,40
